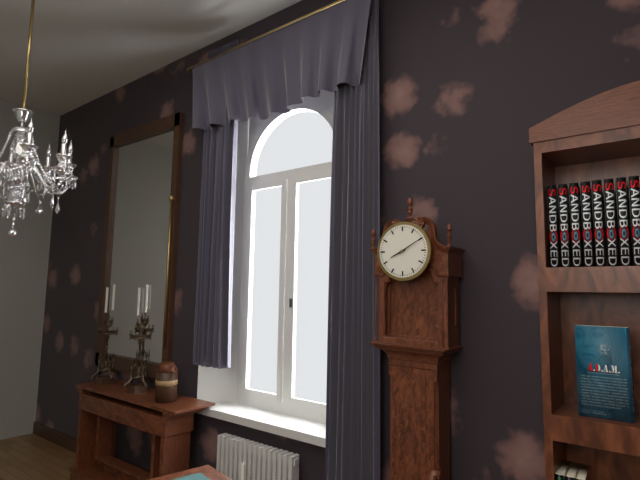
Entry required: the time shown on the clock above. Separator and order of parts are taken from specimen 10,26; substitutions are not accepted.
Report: 8,10
